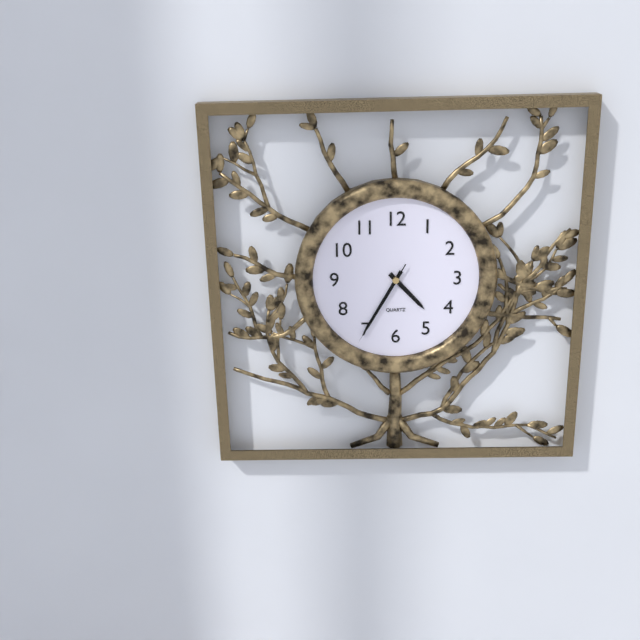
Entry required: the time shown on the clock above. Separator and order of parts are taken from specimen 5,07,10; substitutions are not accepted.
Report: 4,35,35
